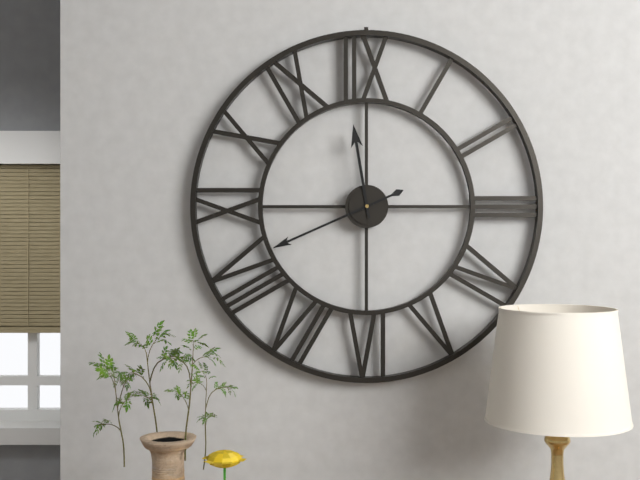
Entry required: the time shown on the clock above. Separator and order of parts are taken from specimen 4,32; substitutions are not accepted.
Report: 11,41
